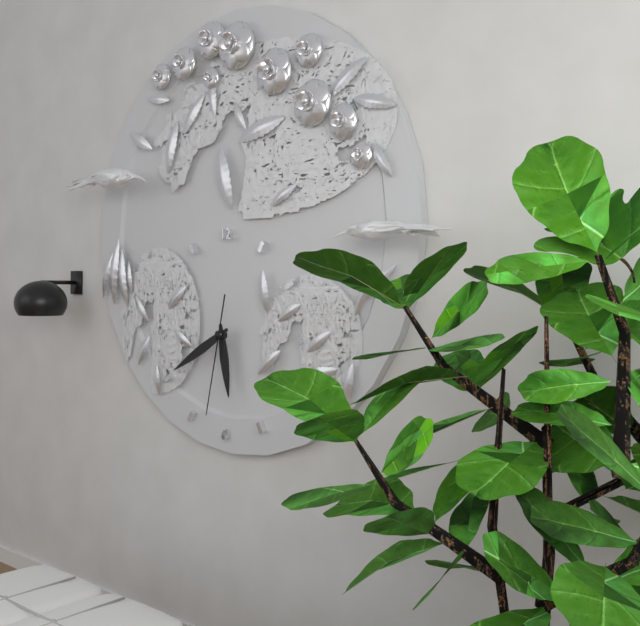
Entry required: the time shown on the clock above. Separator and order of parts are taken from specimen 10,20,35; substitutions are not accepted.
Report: 5,40,32
